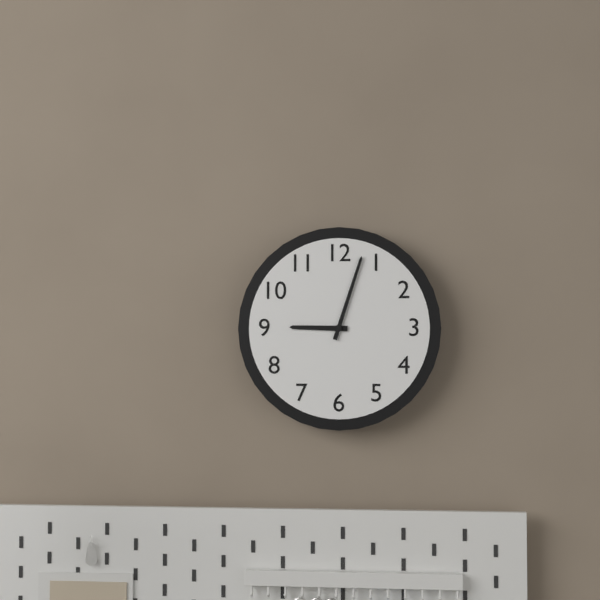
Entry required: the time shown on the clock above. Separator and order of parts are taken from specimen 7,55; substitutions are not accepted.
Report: 9,03
